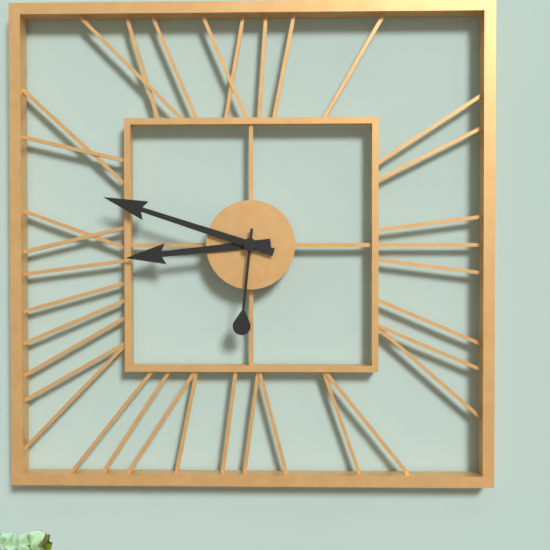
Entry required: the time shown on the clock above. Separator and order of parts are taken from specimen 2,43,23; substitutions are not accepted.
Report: 8,48,31
